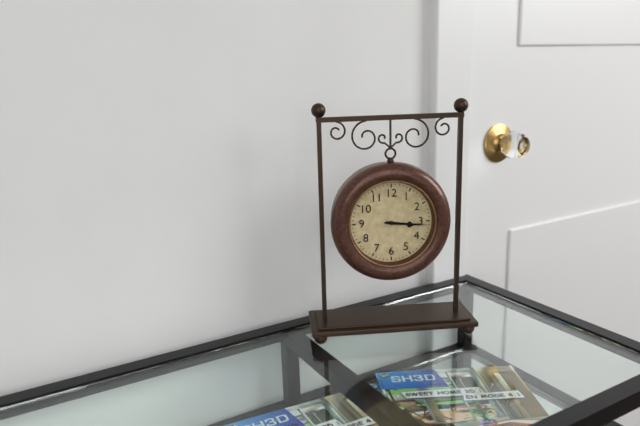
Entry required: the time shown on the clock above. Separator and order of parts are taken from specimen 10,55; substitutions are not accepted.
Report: 3,16
